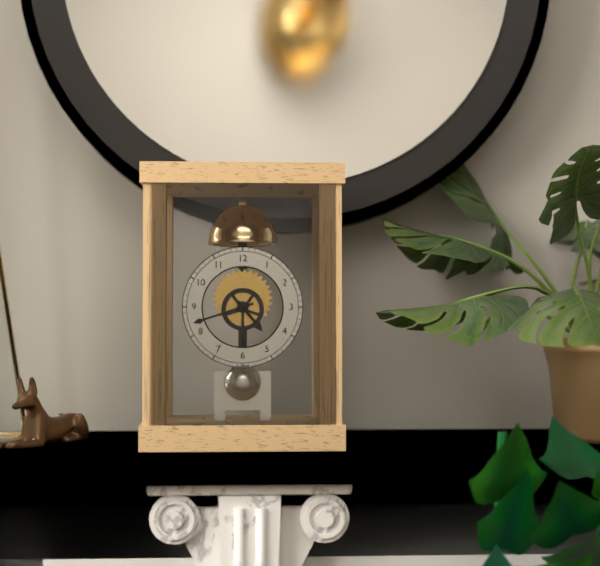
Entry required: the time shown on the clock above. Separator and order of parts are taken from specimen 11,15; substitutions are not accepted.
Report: 4,42
